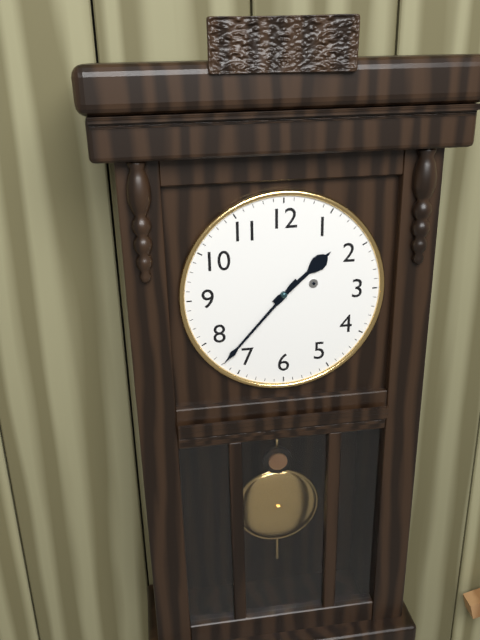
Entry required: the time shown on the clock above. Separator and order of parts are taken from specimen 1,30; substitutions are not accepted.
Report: 1,37
